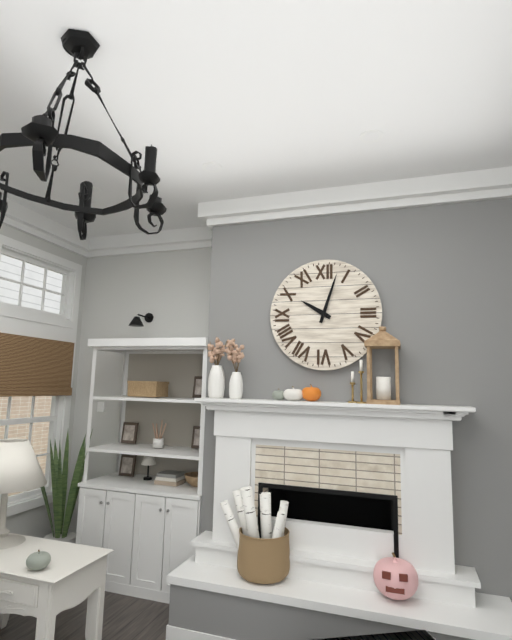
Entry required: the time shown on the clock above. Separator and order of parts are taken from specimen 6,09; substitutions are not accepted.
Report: 10,03
